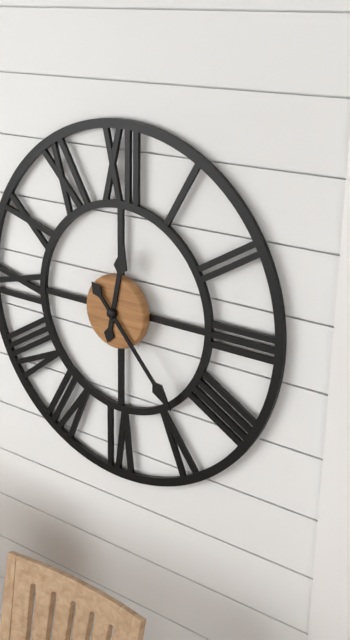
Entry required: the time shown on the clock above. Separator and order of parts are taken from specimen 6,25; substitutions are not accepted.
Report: 12,23
